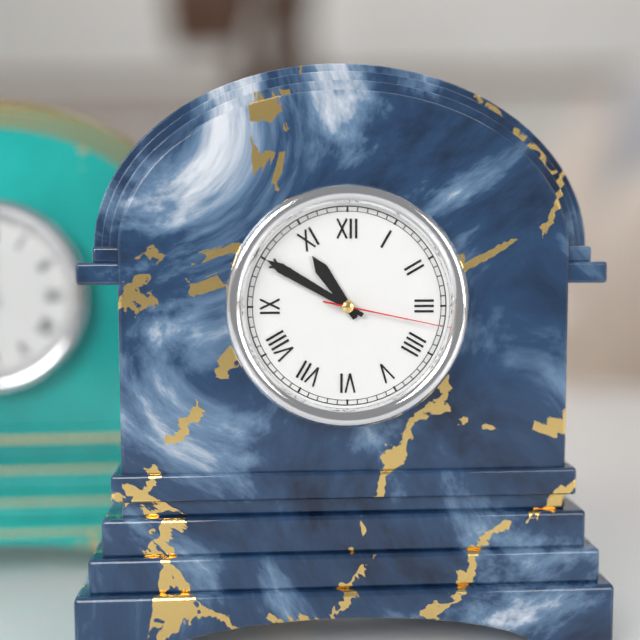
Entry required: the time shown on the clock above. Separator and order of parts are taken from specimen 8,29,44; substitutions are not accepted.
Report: 10,50,17
